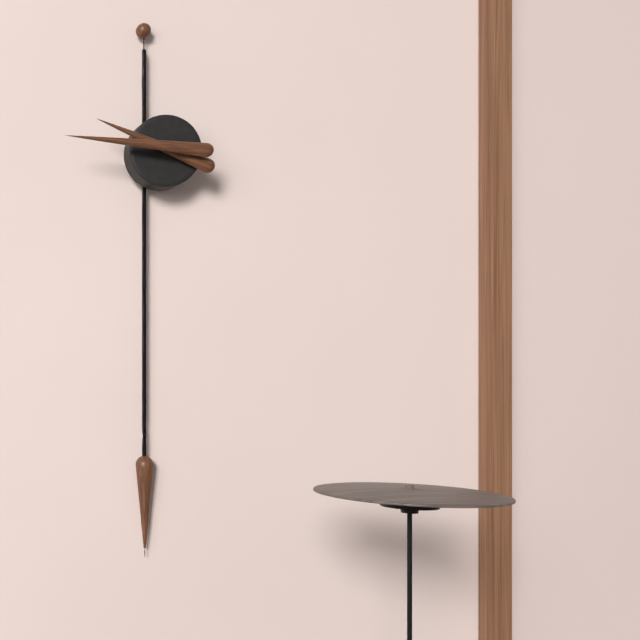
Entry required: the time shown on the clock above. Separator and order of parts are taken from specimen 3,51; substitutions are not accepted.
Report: 9,46
